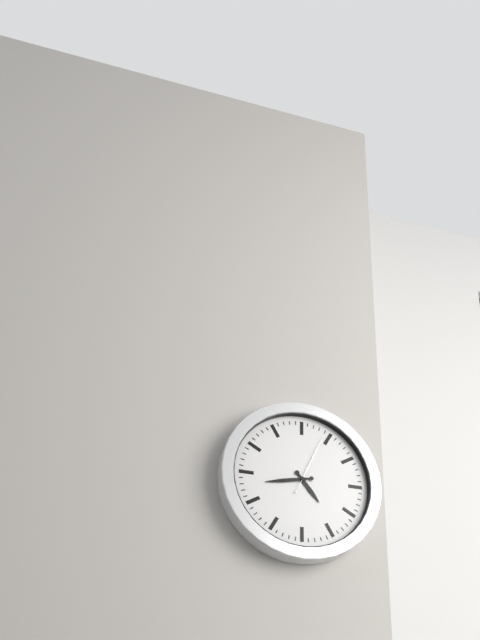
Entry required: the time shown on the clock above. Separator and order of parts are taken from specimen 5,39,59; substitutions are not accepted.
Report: 4,43,04
